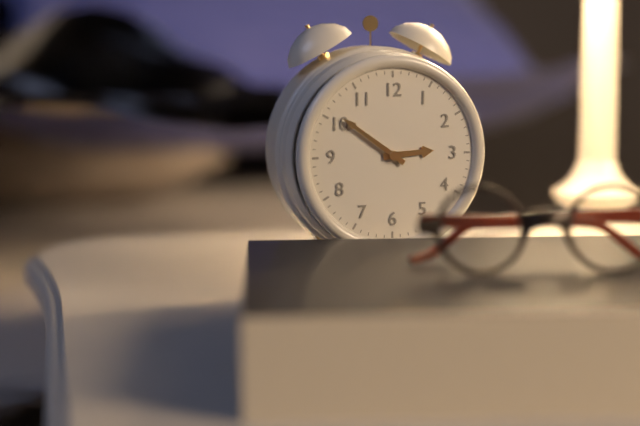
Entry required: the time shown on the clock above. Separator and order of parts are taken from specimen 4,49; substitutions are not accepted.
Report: 2,51
